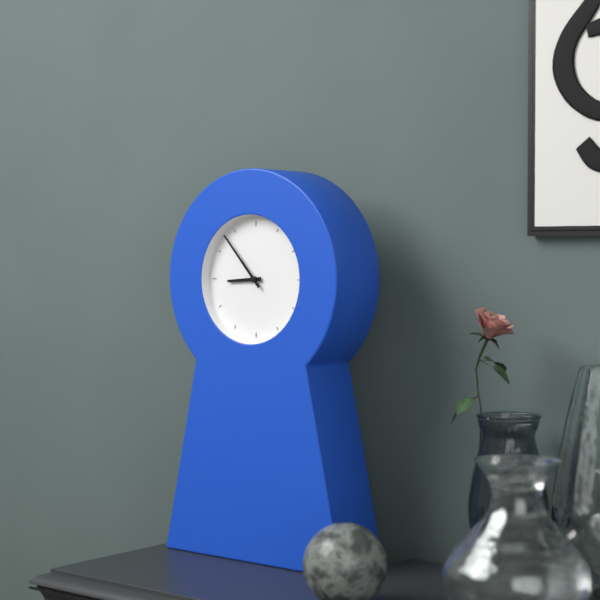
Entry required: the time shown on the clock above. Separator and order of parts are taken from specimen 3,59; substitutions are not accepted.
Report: 8,53
